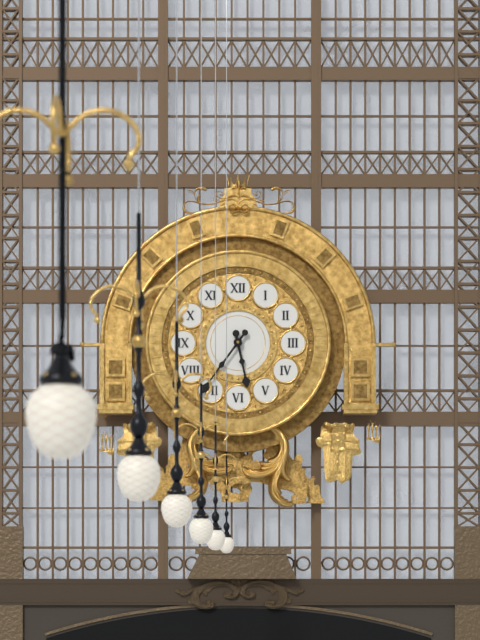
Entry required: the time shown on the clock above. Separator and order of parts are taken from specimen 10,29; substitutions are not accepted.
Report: 5,36
